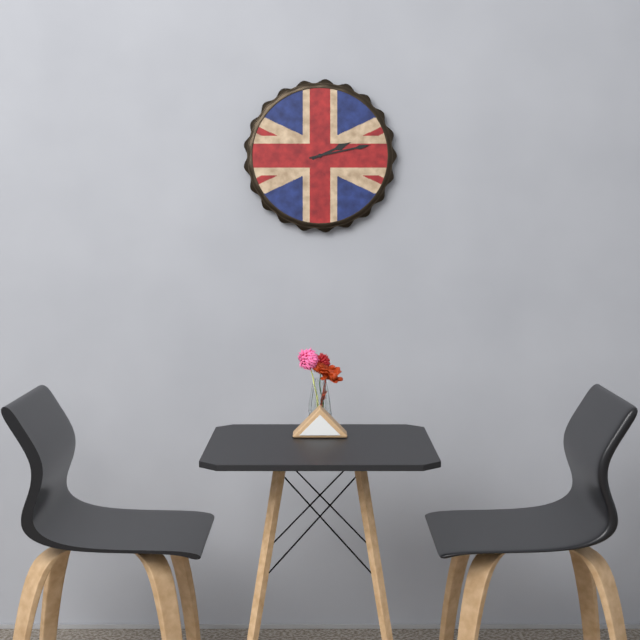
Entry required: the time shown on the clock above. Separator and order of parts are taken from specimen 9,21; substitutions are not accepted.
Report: 2,13
